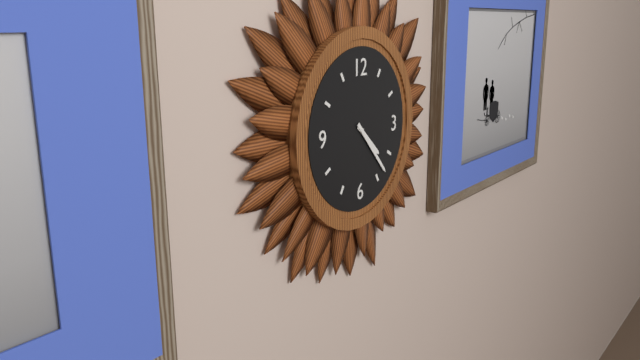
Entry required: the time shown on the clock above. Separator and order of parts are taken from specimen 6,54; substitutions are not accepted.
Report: 4,23
